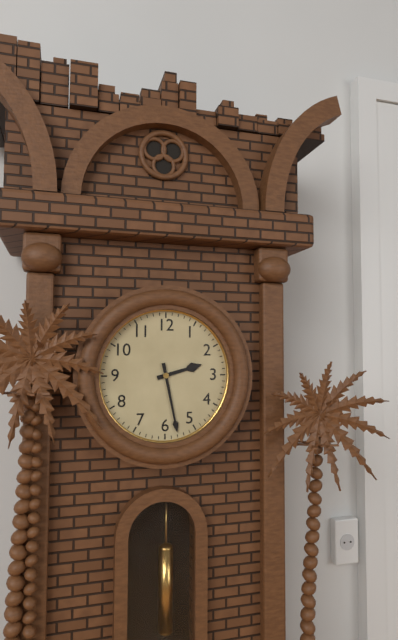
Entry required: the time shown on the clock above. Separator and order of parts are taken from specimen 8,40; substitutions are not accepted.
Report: 2,28
